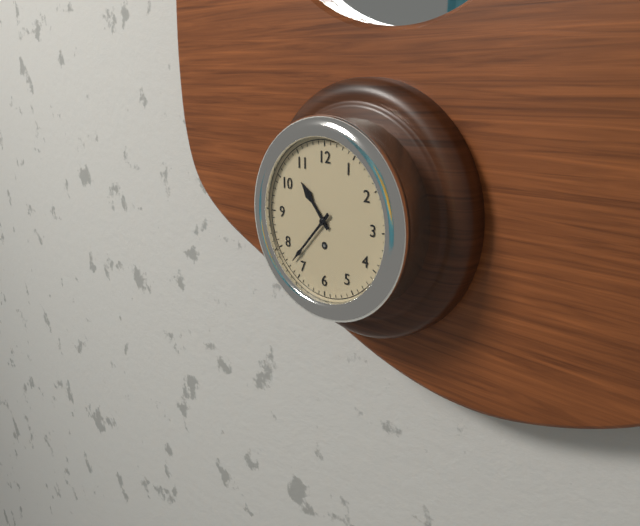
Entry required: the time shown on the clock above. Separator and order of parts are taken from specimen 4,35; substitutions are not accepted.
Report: 10,37
